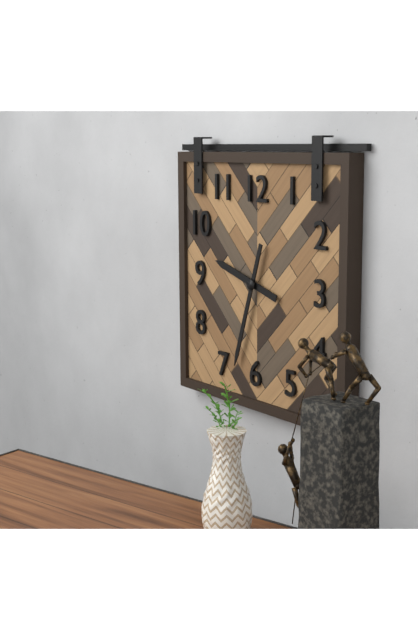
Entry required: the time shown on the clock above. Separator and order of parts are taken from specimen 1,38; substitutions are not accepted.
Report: 9,33
